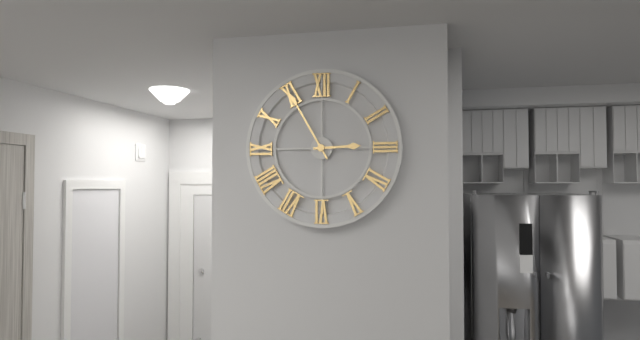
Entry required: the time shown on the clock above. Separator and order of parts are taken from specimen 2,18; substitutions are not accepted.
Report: 2,55
